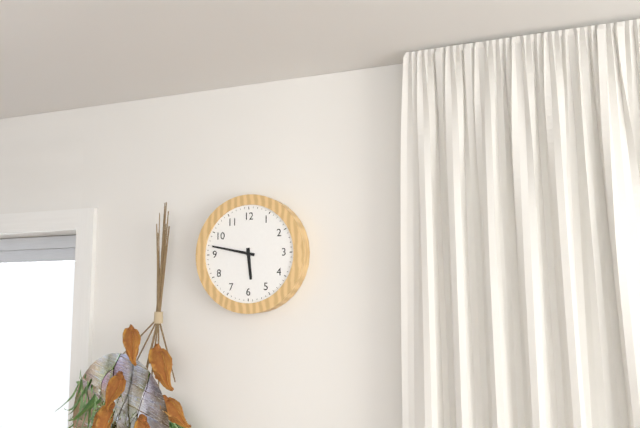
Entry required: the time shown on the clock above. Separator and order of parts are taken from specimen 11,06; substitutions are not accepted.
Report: 5,47
